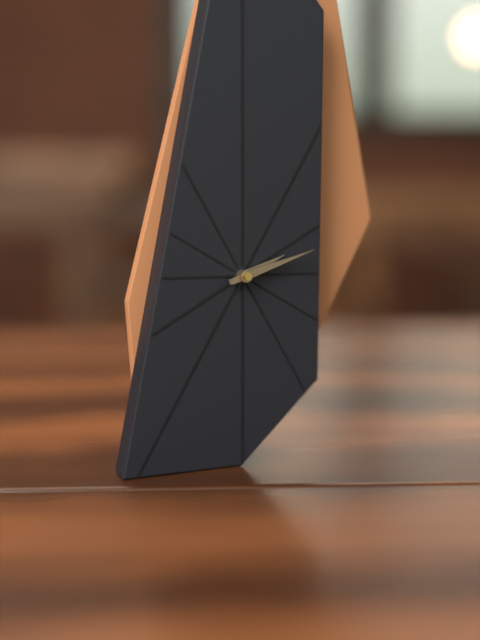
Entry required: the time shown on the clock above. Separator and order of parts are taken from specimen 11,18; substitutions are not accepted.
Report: 2,12
